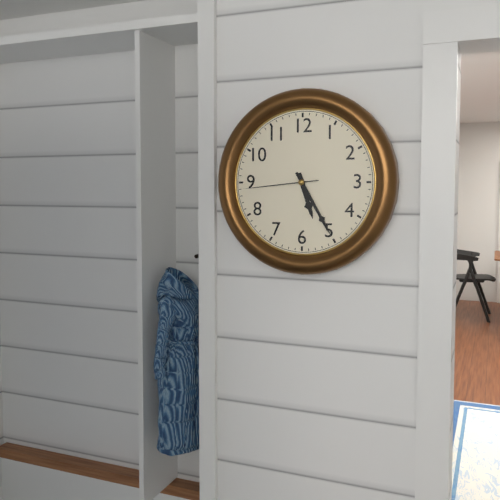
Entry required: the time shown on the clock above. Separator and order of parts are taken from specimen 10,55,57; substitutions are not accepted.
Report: 5,25,44
